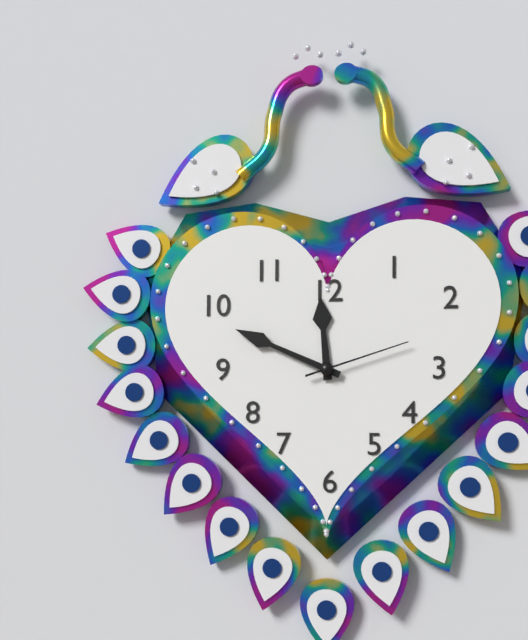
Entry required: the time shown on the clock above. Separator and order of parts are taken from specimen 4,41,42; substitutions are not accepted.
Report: 11,49,12
